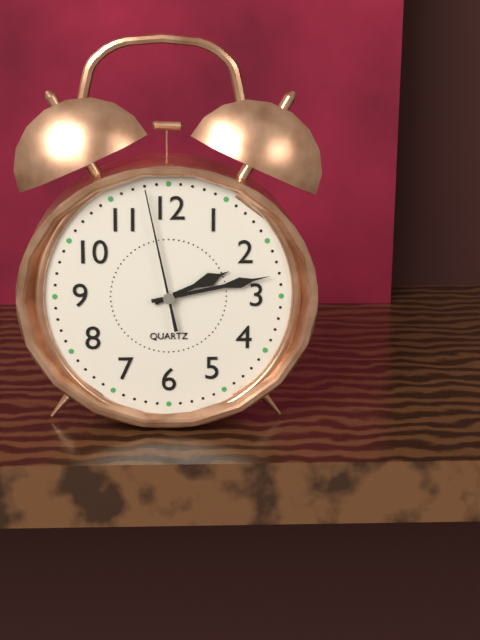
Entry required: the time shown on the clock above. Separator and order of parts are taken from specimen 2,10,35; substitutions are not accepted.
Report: 2,13,58
